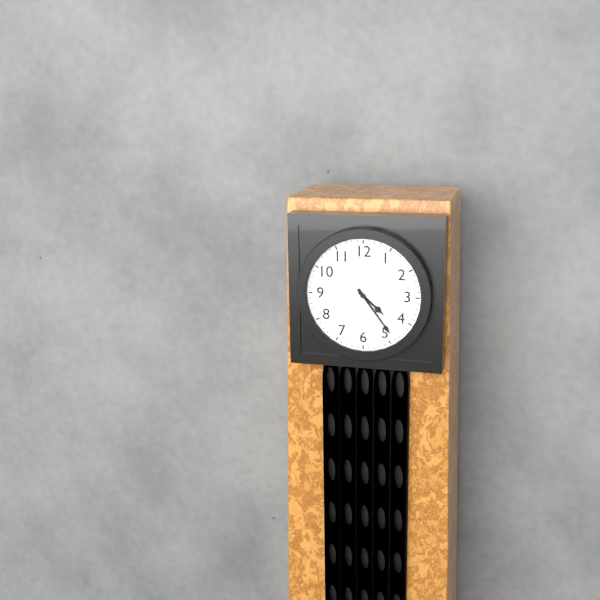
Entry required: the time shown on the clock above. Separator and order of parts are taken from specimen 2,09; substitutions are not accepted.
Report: 4,24
